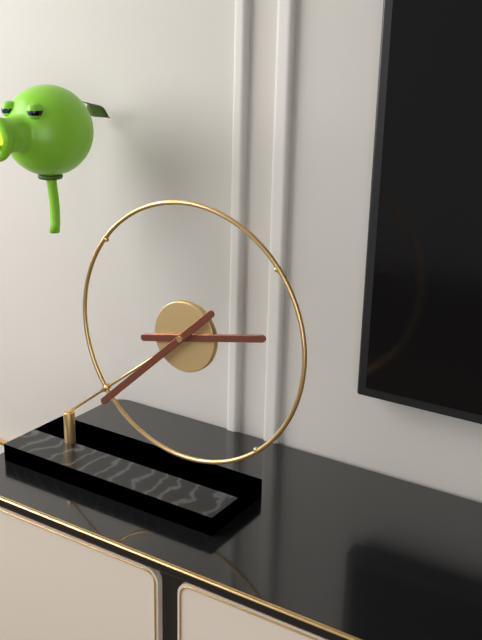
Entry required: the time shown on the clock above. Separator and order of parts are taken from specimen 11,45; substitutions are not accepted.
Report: 2,38
